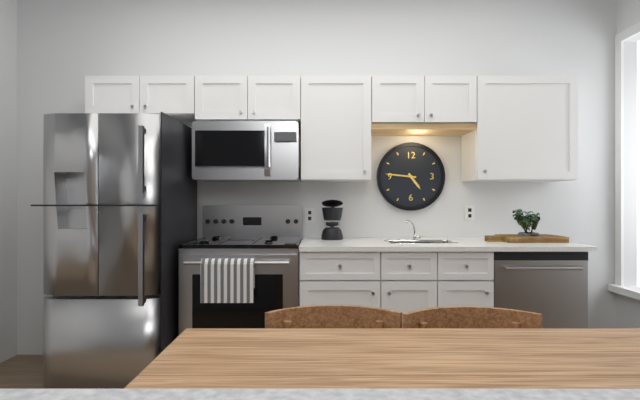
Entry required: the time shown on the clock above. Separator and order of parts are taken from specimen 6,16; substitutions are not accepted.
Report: 4,46
